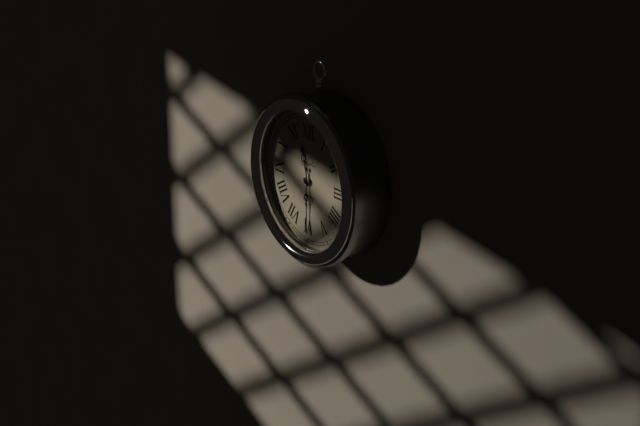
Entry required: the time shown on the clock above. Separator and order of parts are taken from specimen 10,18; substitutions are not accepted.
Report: 11,30
